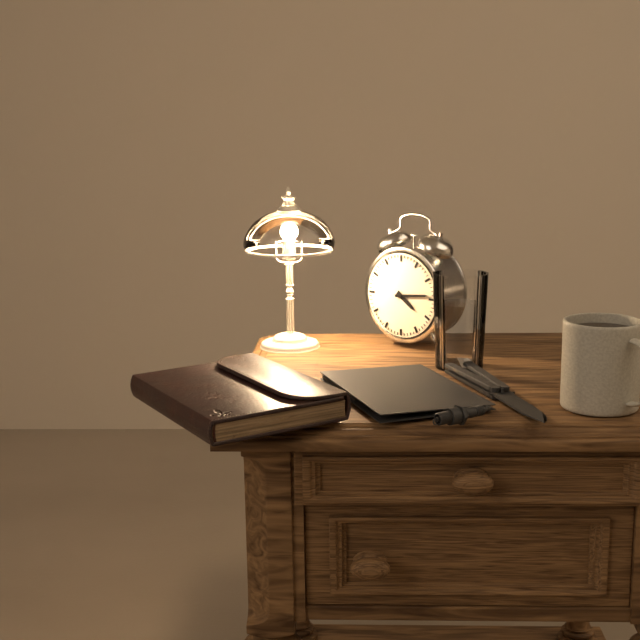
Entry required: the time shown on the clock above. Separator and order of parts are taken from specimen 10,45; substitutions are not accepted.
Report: 4,14
